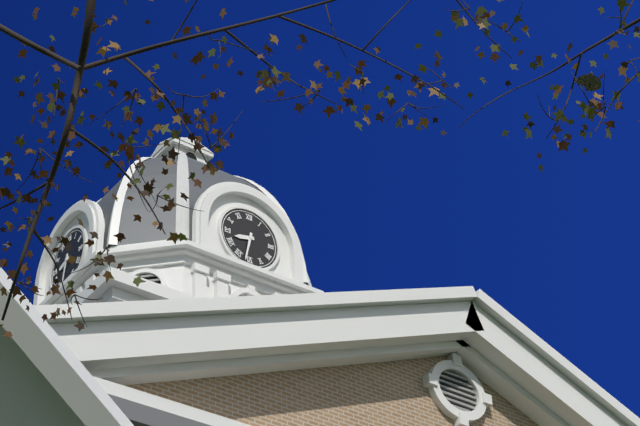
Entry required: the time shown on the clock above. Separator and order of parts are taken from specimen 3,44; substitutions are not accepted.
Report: 8,32
